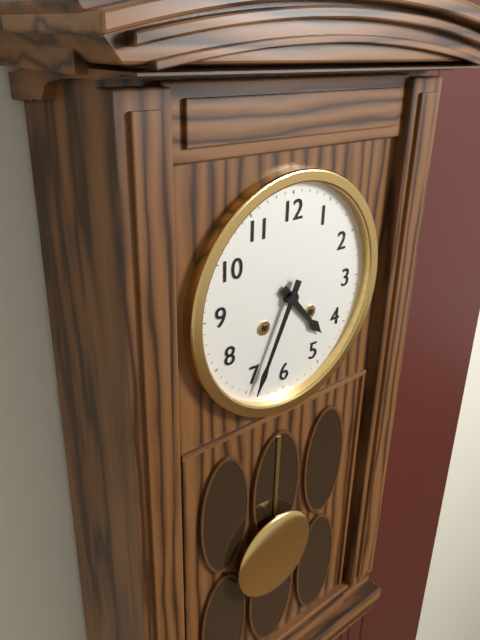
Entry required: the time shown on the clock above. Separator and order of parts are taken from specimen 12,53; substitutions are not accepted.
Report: 4,34
